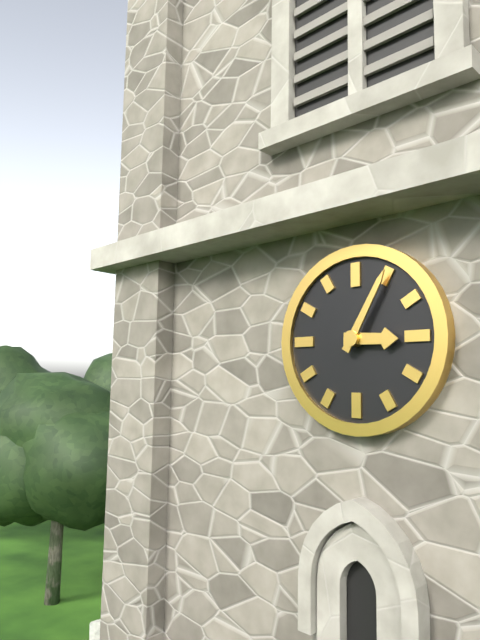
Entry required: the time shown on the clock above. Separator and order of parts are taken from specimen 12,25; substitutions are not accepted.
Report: 3,05
